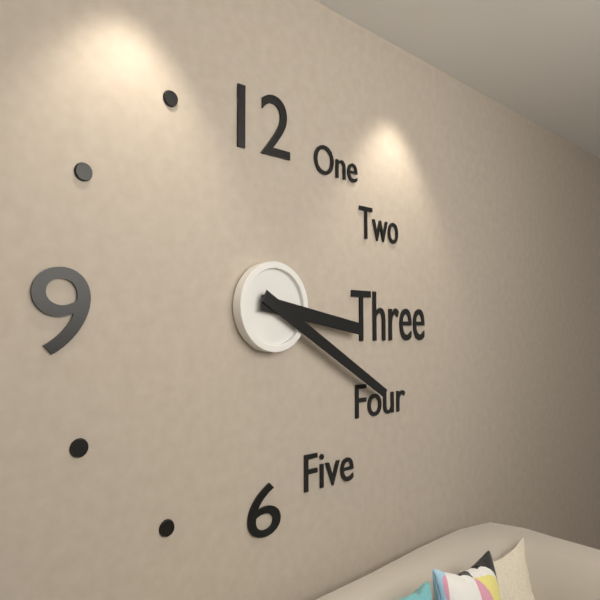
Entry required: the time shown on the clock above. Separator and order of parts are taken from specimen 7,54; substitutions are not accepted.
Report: 3,20
